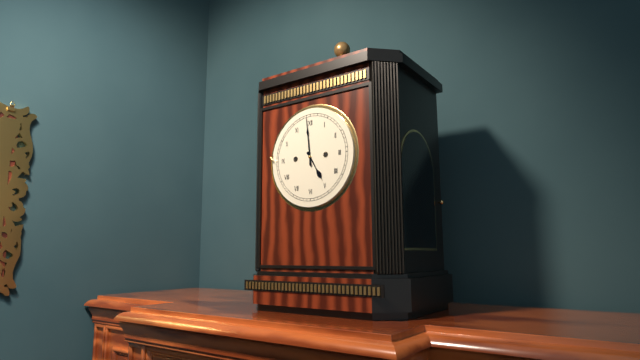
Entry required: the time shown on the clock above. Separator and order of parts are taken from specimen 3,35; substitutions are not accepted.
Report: 4,59
